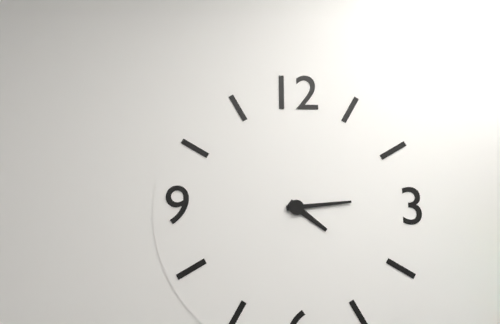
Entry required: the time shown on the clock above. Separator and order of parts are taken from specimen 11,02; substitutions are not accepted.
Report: 4,14
